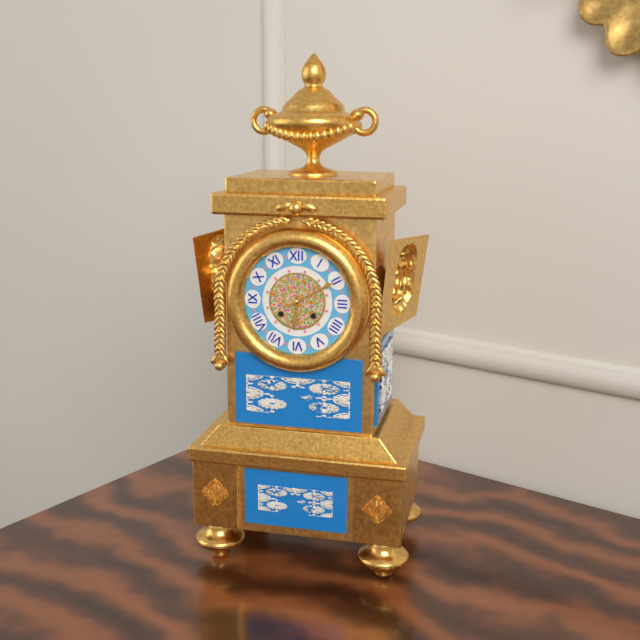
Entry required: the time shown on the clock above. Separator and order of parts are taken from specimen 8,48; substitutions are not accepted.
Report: 6,10
